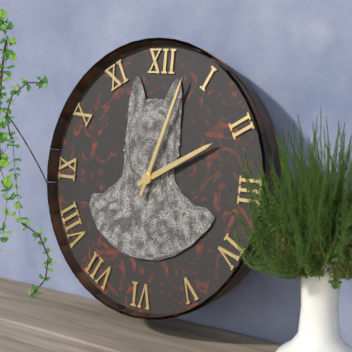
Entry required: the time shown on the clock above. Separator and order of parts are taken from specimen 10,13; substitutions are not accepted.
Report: 2,03
